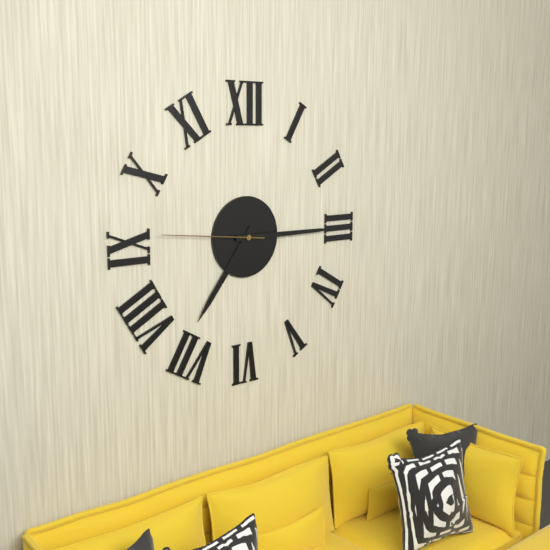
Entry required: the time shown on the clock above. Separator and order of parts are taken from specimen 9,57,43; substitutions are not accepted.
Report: 7,15,46
